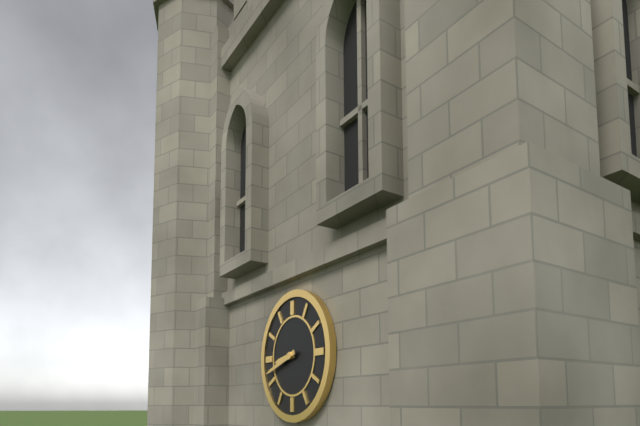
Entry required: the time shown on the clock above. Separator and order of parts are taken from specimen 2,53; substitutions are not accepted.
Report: 8,42
